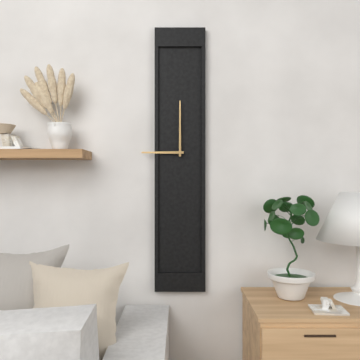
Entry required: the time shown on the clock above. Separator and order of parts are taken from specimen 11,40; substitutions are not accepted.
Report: 9,00
